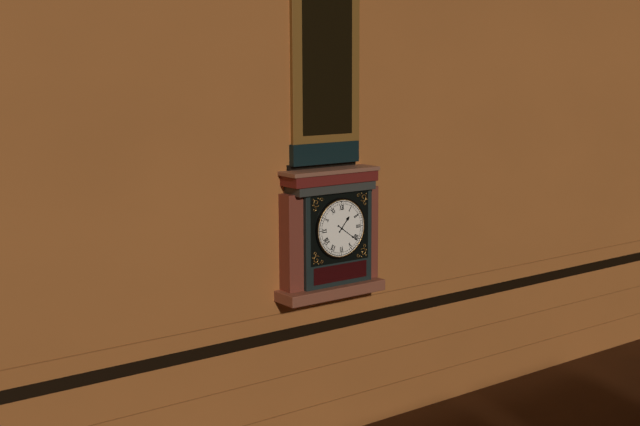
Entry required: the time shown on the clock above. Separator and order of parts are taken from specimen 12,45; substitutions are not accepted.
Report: 1,21
